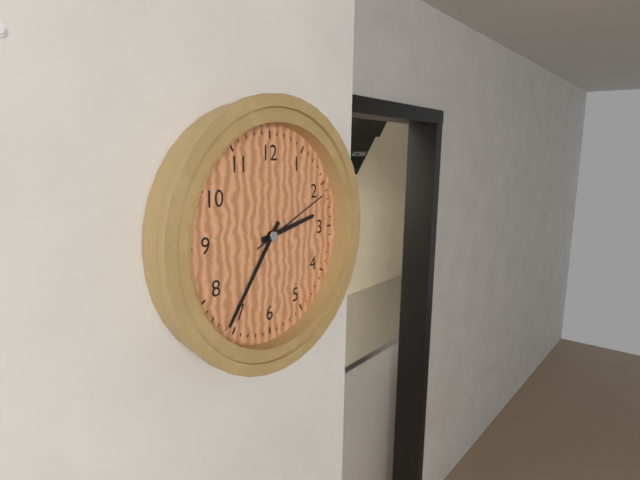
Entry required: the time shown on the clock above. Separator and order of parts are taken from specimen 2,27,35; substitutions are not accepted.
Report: 2,36,11
